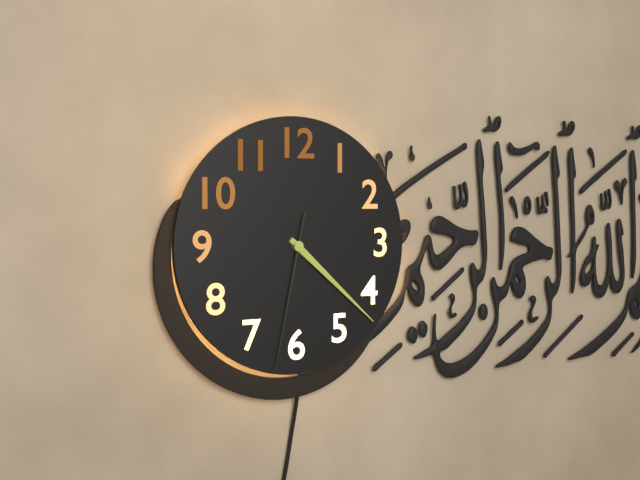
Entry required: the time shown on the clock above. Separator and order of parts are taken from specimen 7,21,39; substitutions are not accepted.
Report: 4,22,32
